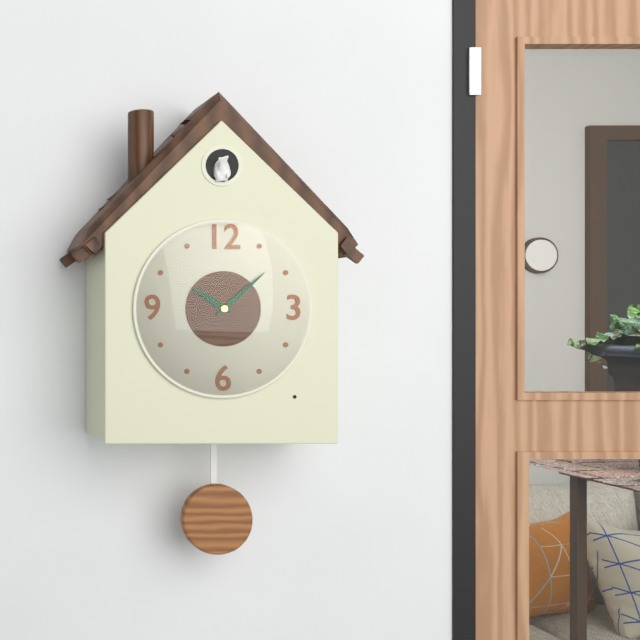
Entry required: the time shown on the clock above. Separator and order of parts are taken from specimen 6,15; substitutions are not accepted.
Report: 10,08
